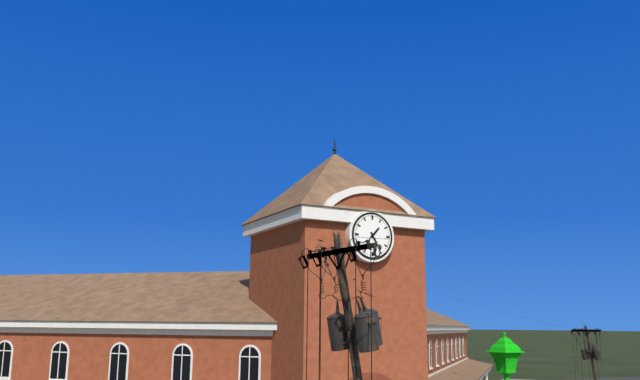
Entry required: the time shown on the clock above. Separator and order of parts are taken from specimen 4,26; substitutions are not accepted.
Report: 1,25
